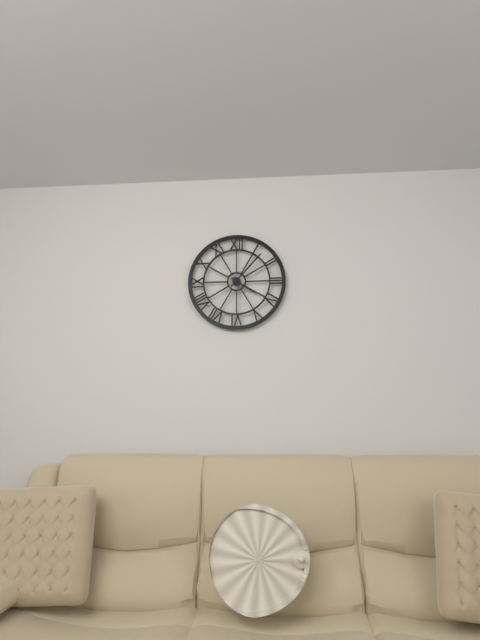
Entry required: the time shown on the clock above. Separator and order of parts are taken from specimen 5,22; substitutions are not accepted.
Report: 4,07
